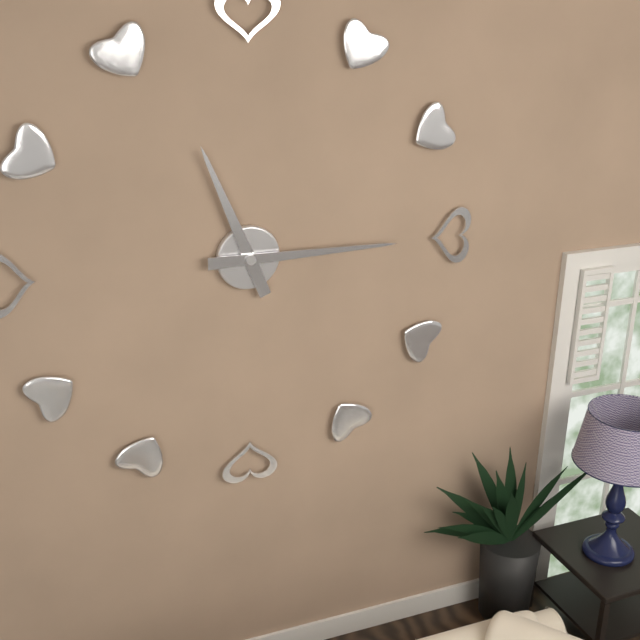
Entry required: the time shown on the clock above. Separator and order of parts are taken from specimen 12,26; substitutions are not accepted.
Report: 11,15
